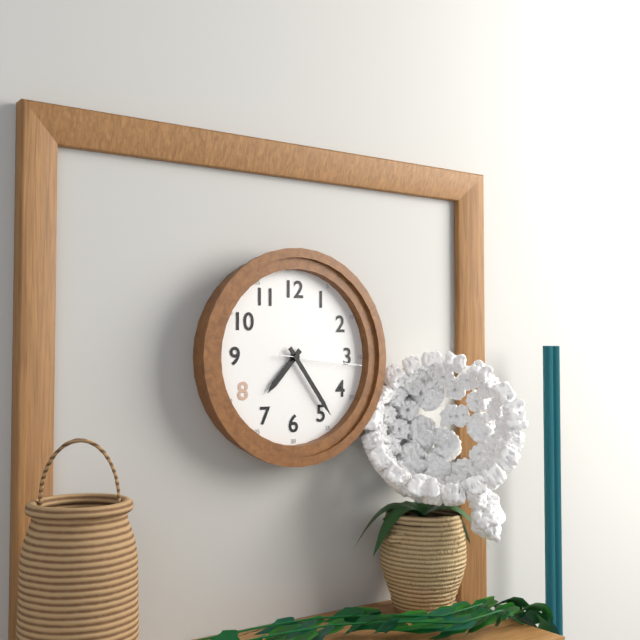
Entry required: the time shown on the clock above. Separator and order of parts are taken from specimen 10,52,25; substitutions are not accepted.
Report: 7,24,16
